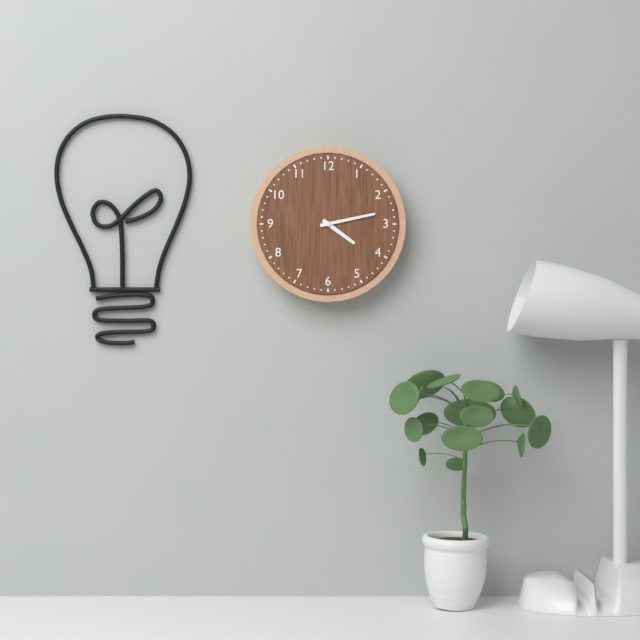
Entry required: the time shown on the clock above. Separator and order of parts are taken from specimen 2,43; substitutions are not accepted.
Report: 4,13
